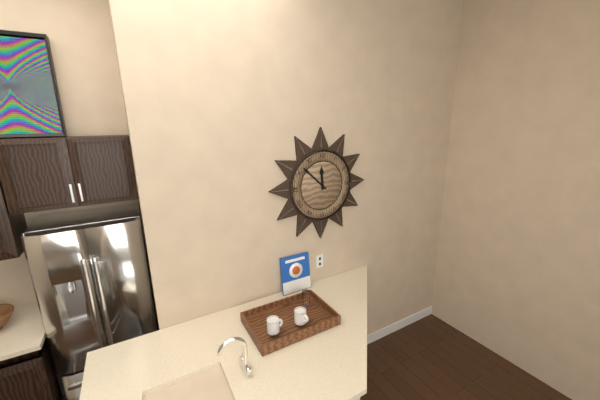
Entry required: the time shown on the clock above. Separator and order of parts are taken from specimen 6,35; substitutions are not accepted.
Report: 11,52
